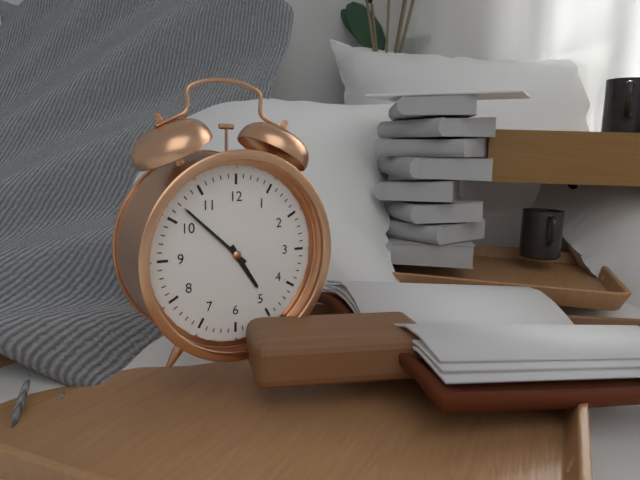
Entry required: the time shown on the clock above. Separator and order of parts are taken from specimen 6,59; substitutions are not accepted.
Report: 4,52
